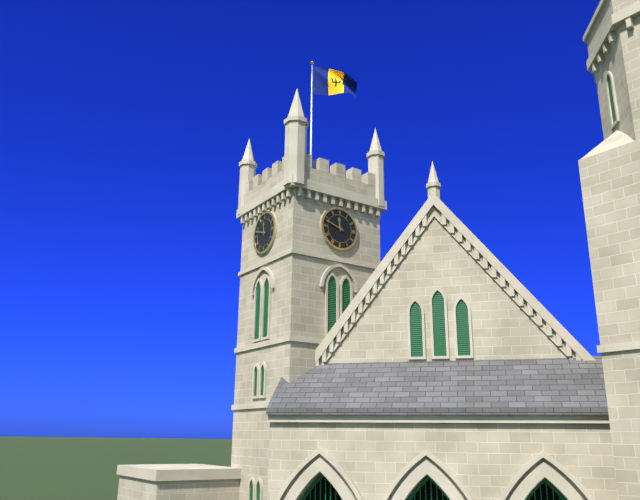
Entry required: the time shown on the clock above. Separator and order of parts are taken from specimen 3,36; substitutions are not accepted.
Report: 11,48
